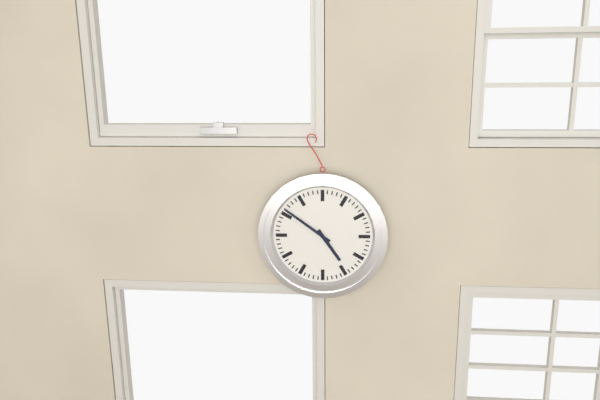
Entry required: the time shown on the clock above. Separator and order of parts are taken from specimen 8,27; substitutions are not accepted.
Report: 4,51
